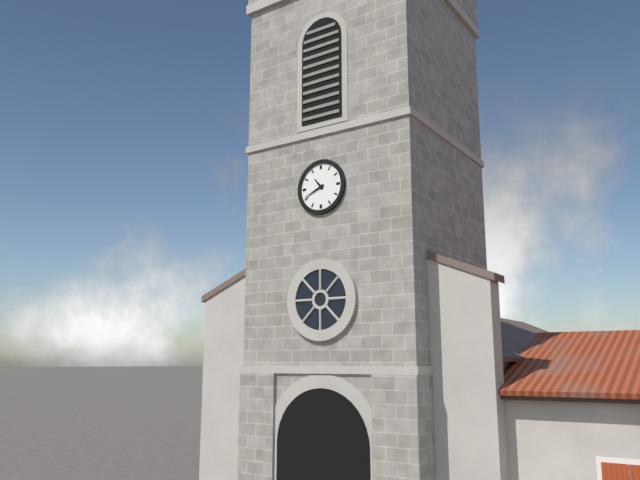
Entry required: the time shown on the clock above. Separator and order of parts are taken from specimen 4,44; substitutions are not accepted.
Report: 10,41
